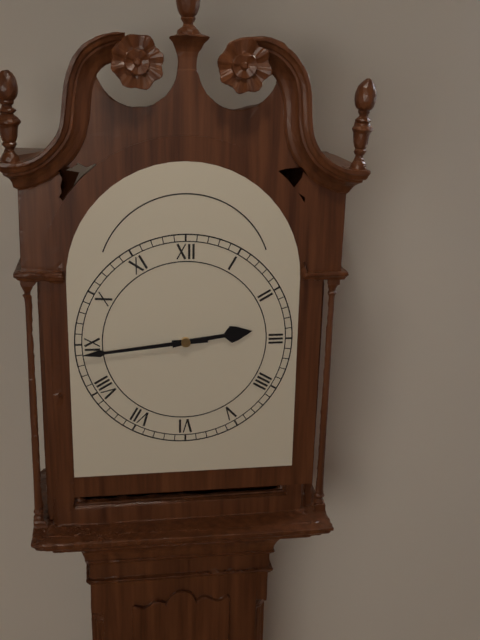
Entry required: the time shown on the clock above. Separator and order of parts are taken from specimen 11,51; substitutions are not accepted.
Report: 2,44
